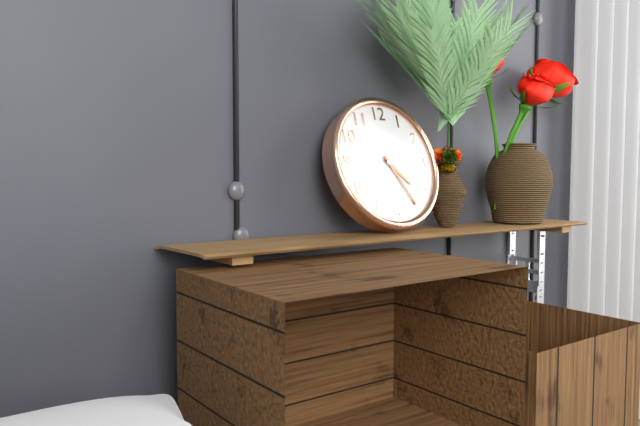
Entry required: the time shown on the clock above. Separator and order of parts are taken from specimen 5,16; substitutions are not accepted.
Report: 4,25
